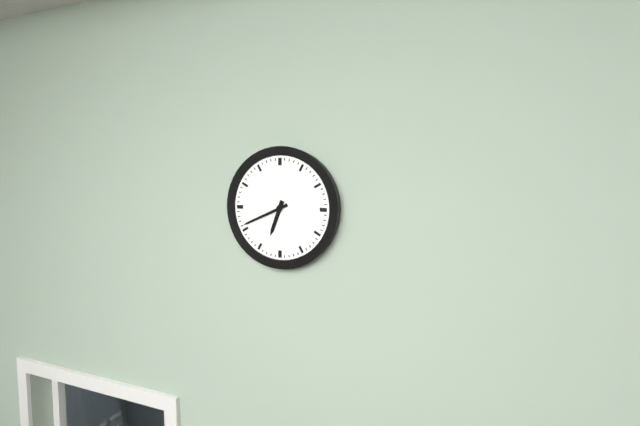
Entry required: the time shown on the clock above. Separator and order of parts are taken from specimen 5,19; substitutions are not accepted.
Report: 6,41
